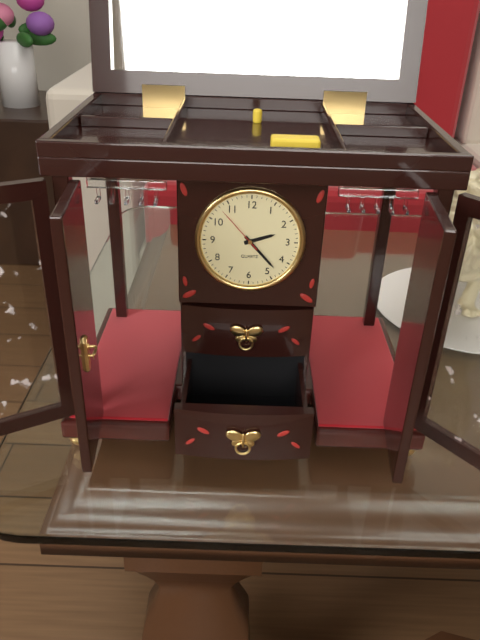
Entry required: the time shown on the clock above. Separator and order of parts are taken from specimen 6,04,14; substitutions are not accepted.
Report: 2,23,53
